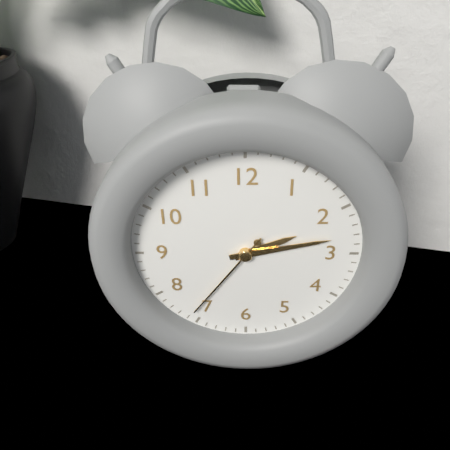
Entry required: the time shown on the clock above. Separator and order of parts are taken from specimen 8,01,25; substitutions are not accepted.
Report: 2,13,36
